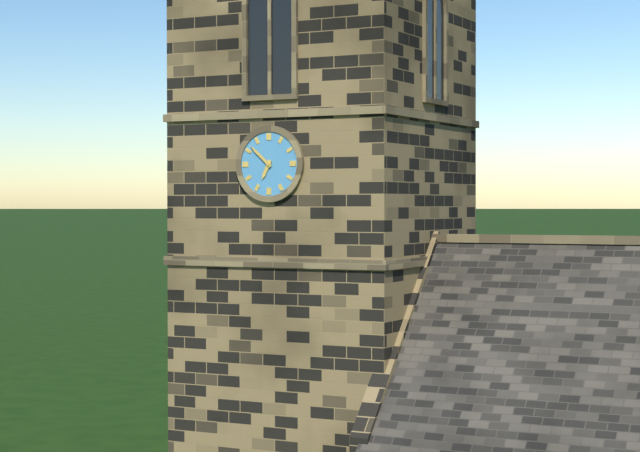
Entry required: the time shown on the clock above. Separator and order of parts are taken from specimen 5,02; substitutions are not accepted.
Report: 6,52
